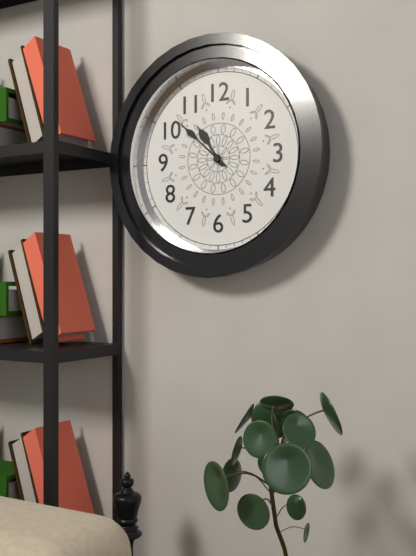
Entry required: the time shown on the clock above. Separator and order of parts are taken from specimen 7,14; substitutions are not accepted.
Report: 10,52
